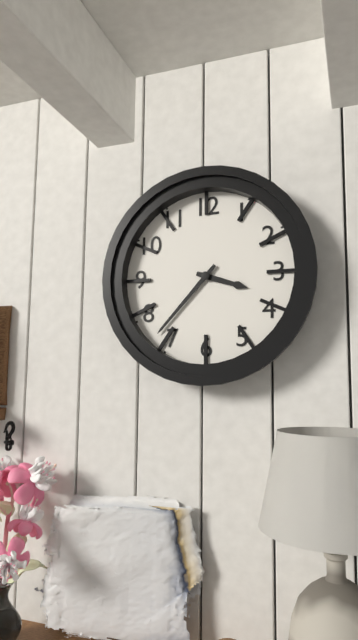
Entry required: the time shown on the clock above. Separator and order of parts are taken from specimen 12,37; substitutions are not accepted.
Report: 3,37
